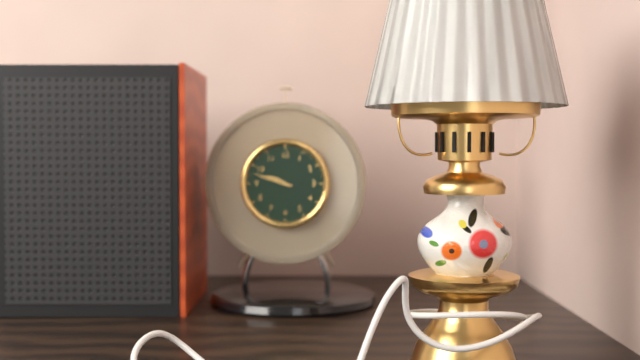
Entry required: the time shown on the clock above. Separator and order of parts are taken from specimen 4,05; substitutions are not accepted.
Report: 9,48
